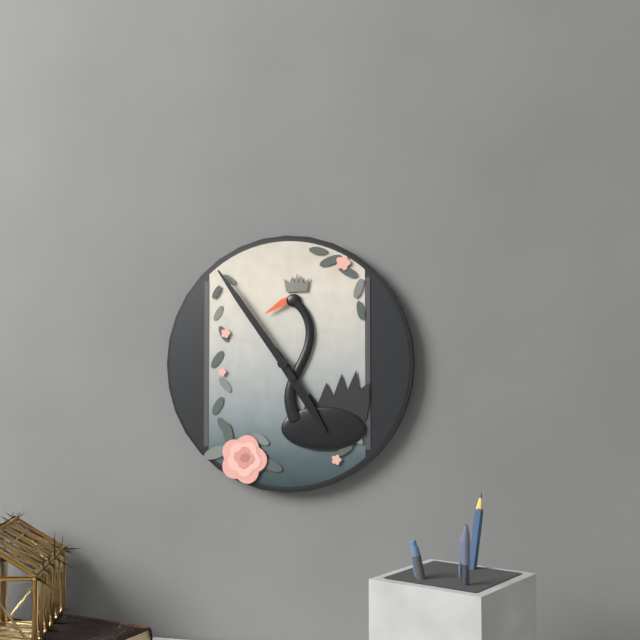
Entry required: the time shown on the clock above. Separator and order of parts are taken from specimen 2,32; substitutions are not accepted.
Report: 4,54
